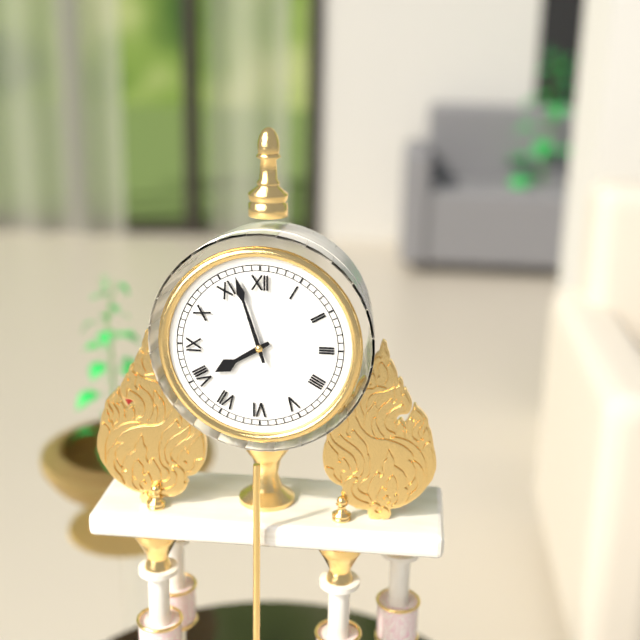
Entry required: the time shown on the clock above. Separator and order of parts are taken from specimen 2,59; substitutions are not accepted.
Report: 7,57
